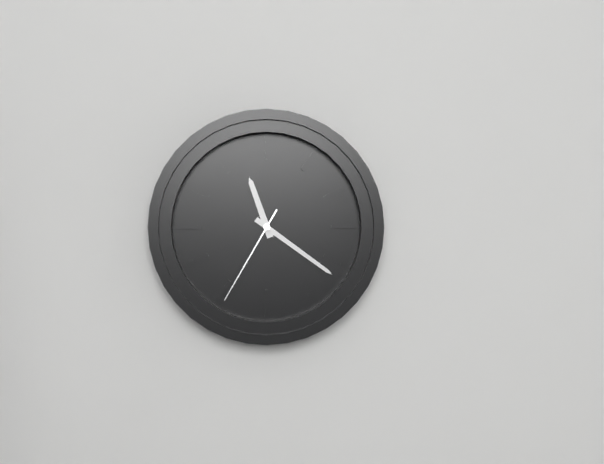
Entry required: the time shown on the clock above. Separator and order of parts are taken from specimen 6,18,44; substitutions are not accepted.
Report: 11,21,35
